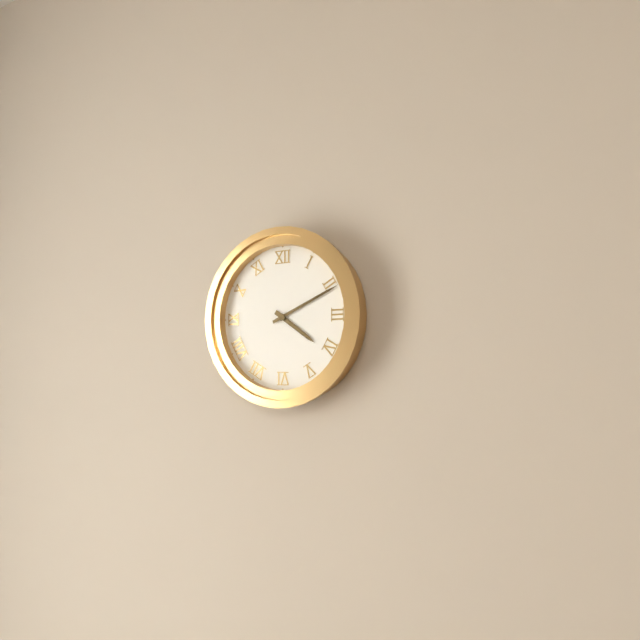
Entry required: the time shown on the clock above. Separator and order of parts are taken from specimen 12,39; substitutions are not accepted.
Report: 4,11
